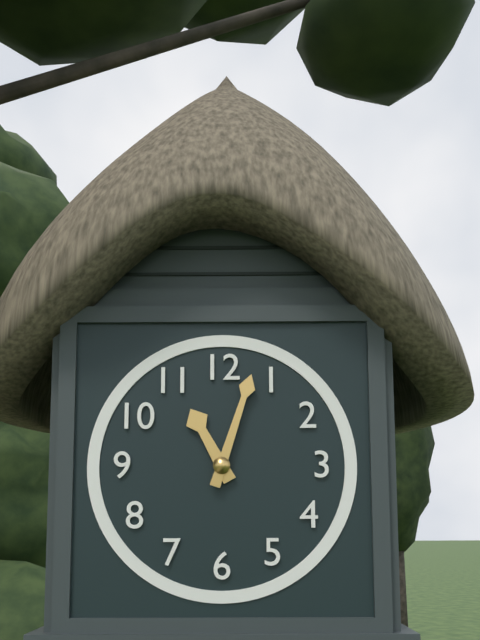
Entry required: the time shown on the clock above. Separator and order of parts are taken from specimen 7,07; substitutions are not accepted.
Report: 11,03
